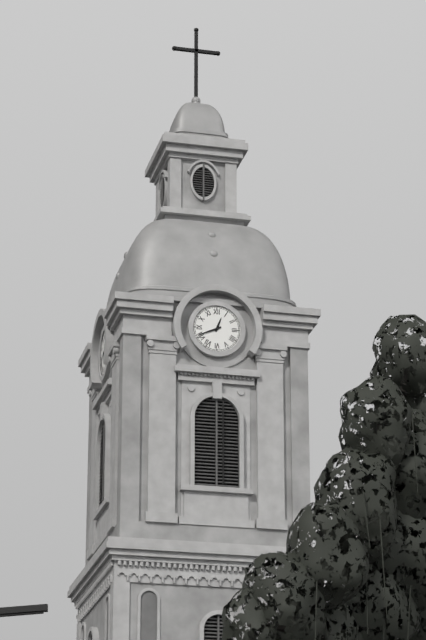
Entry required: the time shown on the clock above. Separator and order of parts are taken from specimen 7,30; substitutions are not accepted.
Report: 12,41
